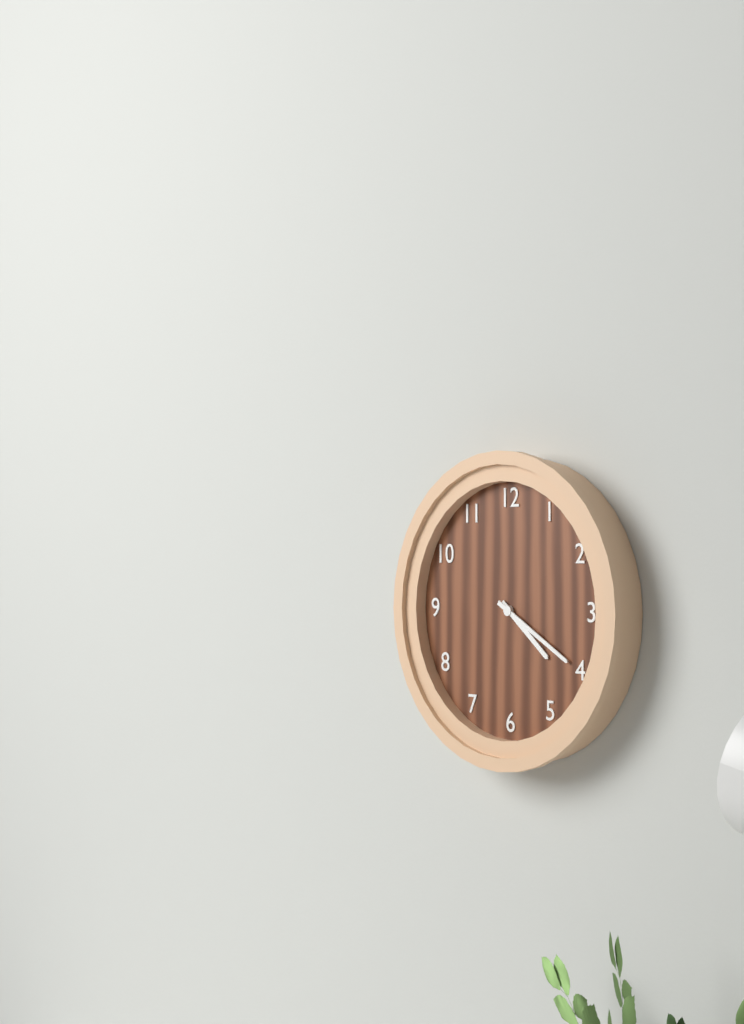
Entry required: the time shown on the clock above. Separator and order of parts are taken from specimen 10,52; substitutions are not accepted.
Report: 4,20
